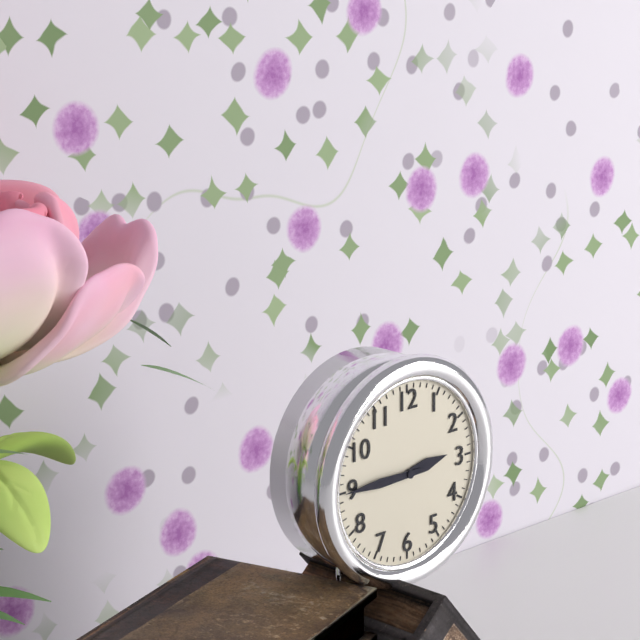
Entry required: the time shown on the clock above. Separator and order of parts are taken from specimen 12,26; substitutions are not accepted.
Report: 2,45
